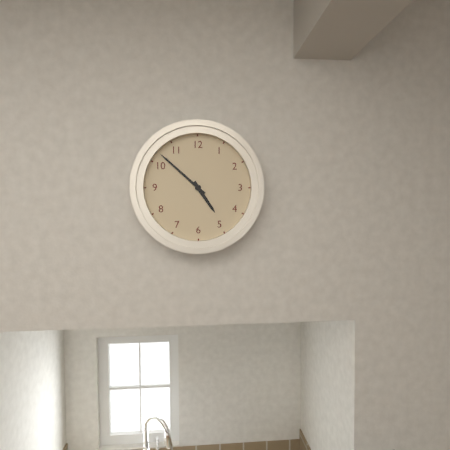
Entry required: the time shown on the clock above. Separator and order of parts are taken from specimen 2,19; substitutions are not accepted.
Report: 4,52
